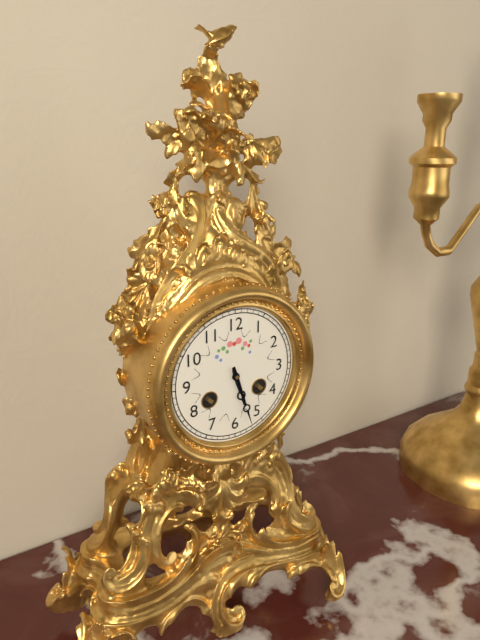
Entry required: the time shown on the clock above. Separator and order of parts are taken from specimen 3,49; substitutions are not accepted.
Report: 5,27
